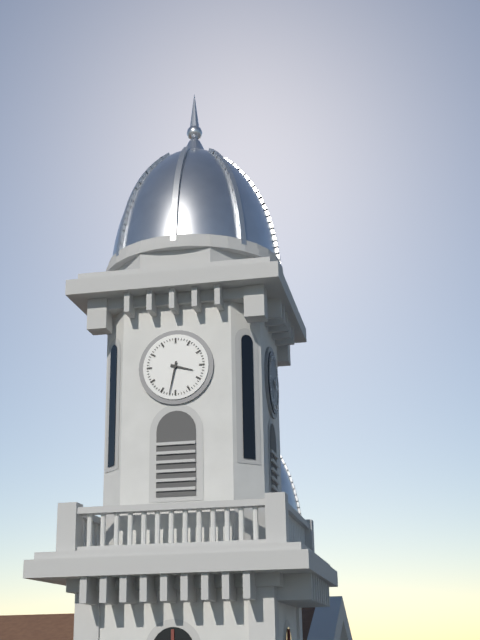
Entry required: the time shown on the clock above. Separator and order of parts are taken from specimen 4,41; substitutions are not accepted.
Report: 3,32
